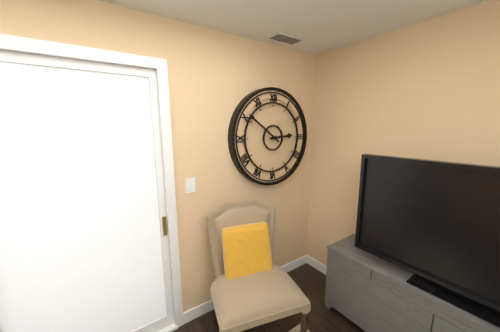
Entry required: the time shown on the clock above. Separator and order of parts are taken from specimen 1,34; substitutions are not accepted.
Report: 2,51
